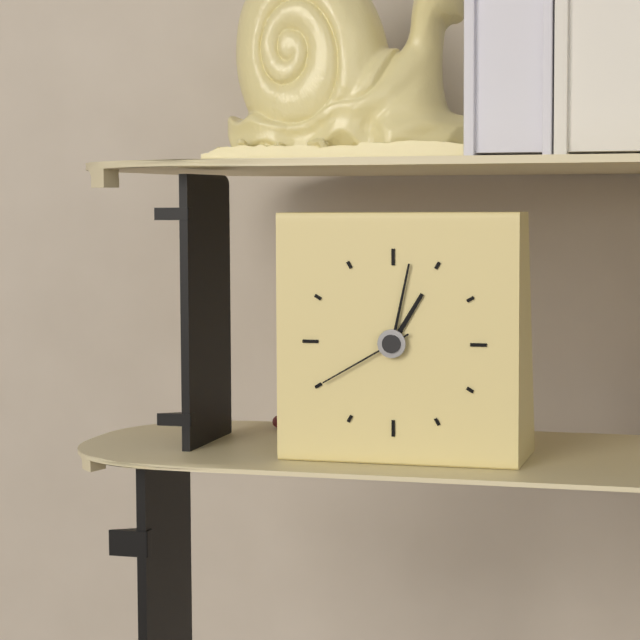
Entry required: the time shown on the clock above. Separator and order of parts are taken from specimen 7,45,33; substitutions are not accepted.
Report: 1,02,40
